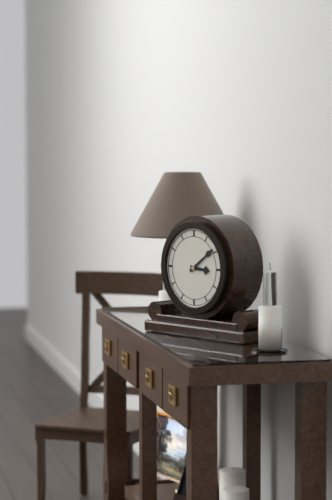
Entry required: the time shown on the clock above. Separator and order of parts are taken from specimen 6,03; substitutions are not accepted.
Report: 3,09
